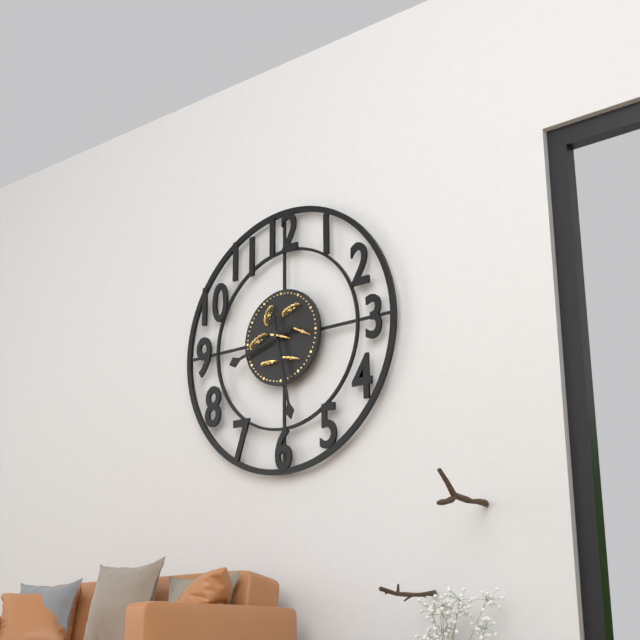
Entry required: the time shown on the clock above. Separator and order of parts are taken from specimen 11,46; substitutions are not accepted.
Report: 8,28
